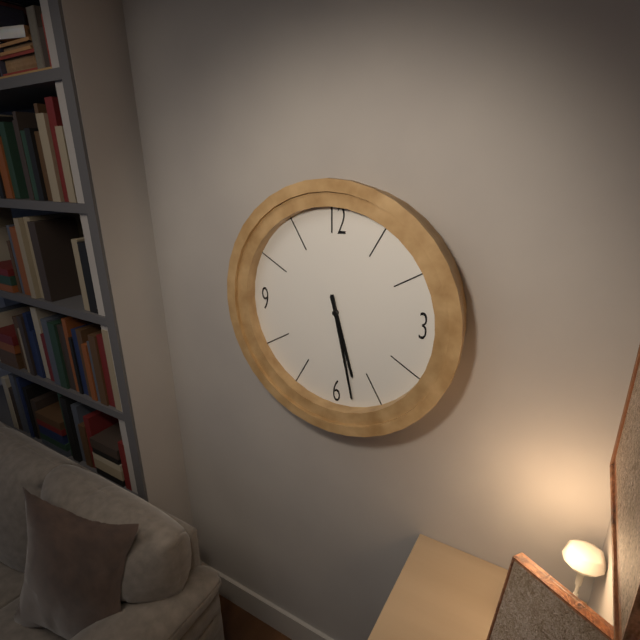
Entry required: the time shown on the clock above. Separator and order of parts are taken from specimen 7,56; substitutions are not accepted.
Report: 5,28
